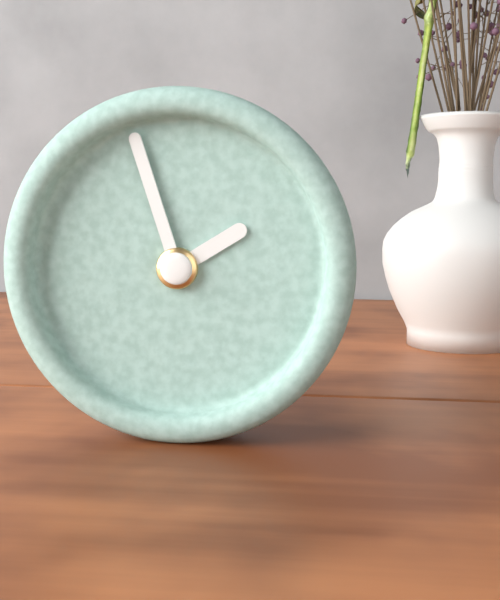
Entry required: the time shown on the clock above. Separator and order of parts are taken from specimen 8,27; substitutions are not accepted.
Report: 1,57
